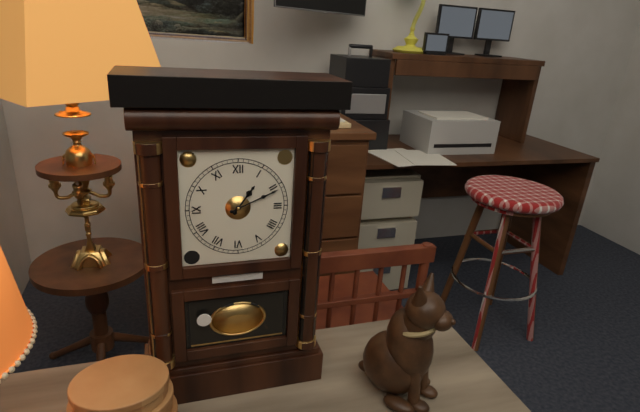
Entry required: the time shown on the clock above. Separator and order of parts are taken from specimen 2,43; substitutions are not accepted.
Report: 1,11
